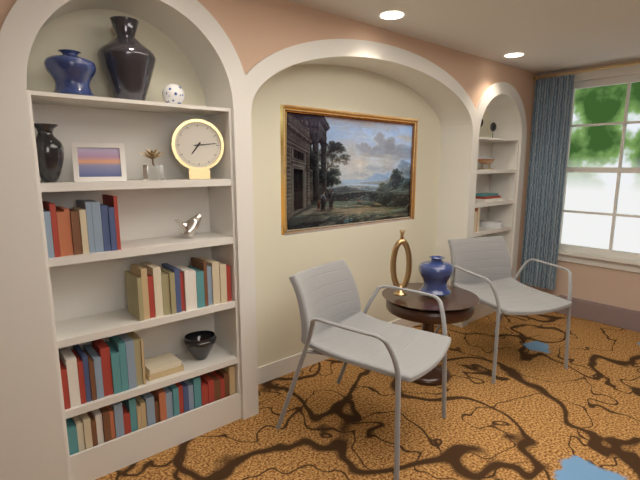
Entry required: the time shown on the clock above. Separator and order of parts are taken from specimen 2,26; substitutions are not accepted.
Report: 7,14
